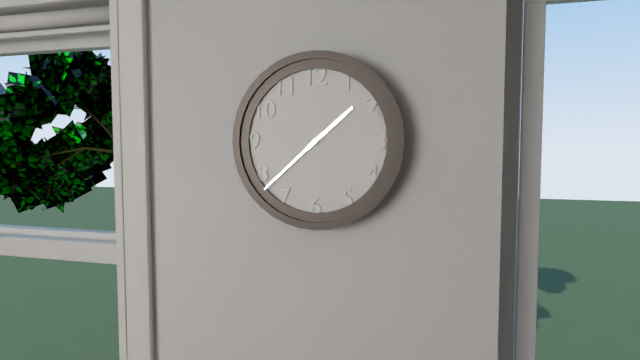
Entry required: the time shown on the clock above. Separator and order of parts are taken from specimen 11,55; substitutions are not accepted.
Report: 1,38
